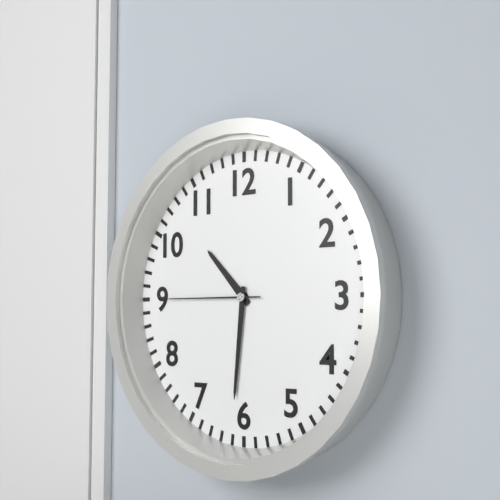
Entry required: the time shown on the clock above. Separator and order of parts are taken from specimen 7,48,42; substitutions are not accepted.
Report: 10,31,45
